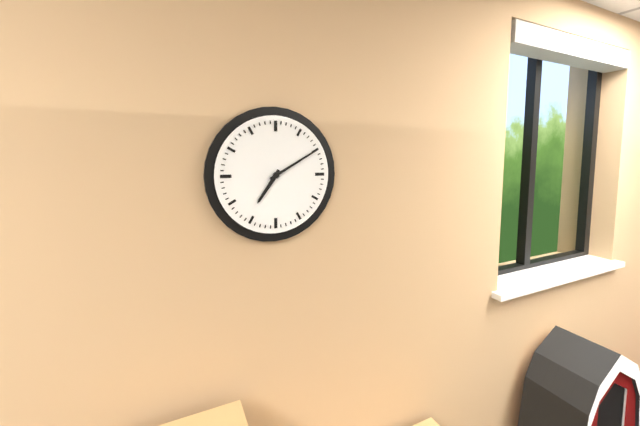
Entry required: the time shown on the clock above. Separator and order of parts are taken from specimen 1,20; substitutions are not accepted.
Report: 7,10
